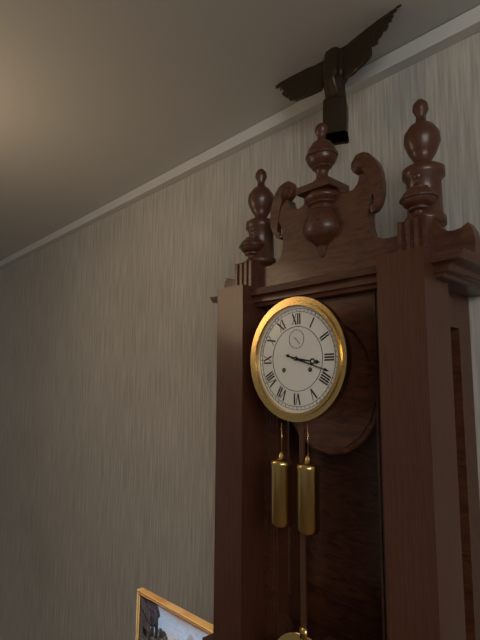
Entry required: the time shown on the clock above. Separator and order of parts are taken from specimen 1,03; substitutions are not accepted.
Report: 3,18
